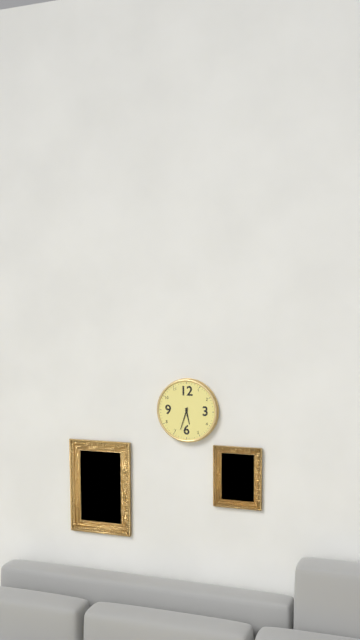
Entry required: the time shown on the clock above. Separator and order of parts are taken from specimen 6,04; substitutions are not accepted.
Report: 5,33
